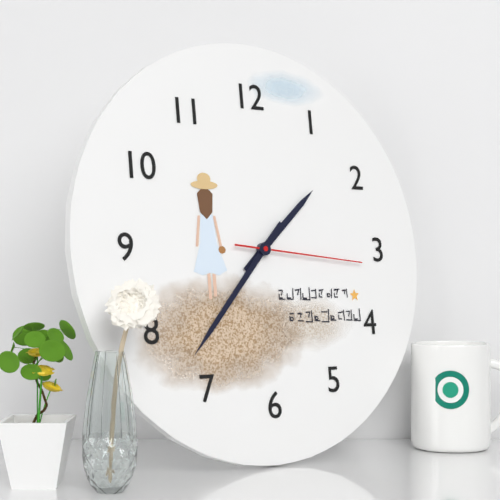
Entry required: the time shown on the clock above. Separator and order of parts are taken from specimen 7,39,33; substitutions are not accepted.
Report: 1,37,16
